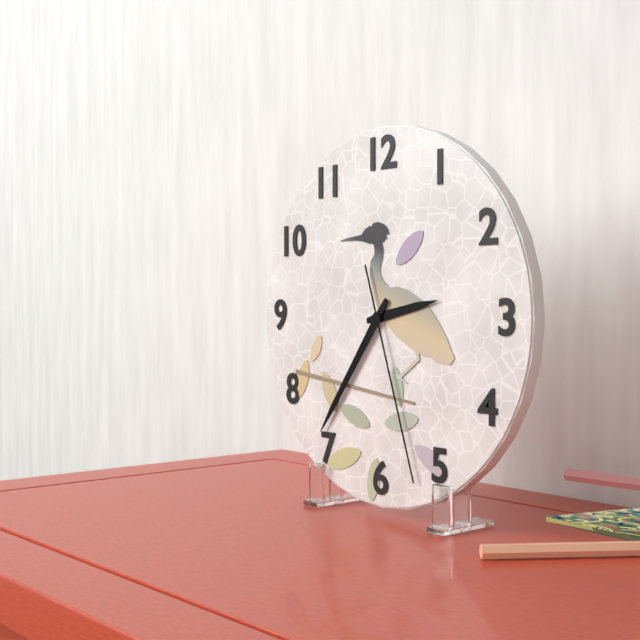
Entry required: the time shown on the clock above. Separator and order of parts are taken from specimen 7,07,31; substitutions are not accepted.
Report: 2,36,27
